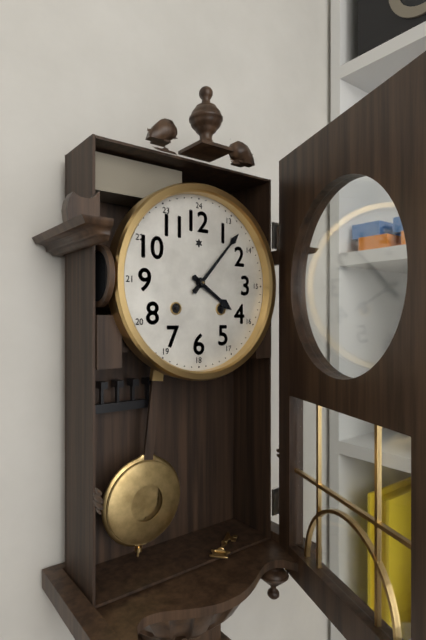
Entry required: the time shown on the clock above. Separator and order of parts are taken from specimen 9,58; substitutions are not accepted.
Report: 4,07
